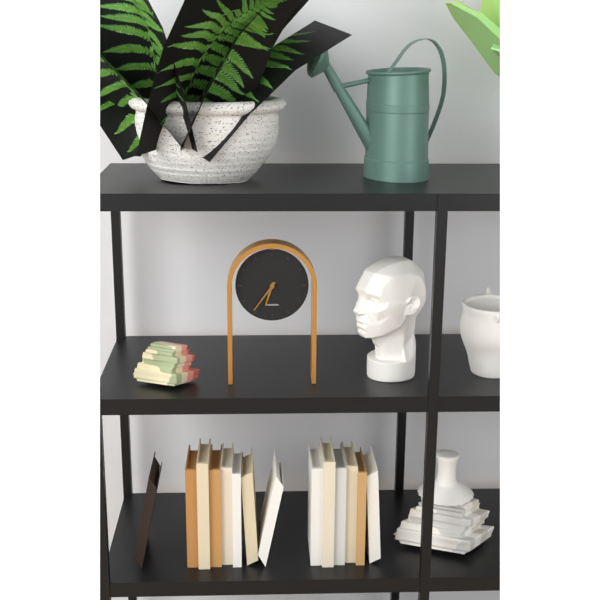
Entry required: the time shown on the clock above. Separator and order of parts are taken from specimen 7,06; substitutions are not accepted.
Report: 6,36
